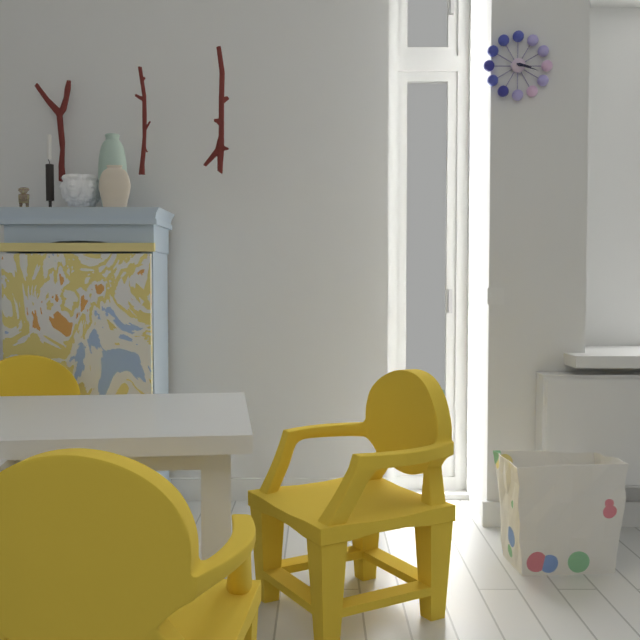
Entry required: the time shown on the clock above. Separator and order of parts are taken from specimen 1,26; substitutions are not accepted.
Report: 3,18
